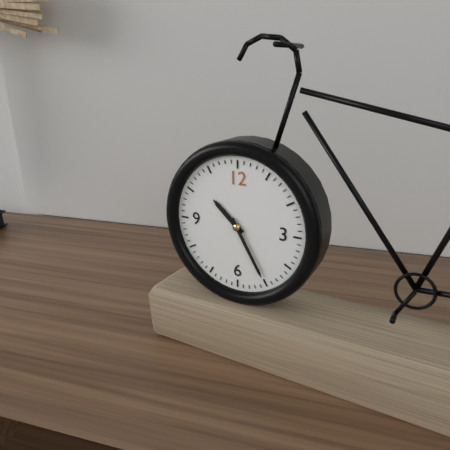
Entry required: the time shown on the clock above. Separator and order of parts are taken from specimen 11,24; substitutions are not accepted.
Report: 10,25
